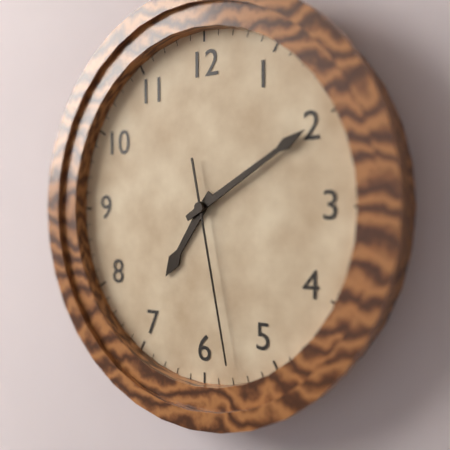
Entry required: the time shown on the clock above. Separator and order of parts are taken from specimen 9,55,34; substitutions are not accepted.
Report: 7,10,28
